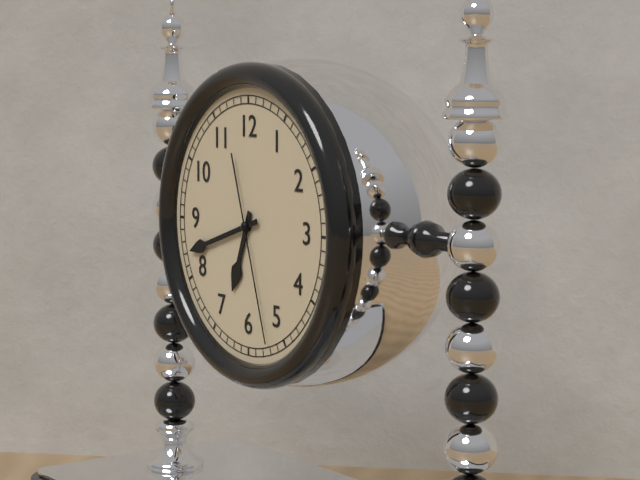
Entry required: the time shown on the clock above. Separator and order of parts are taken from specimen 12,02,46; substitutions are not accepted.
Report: 6,42,27
